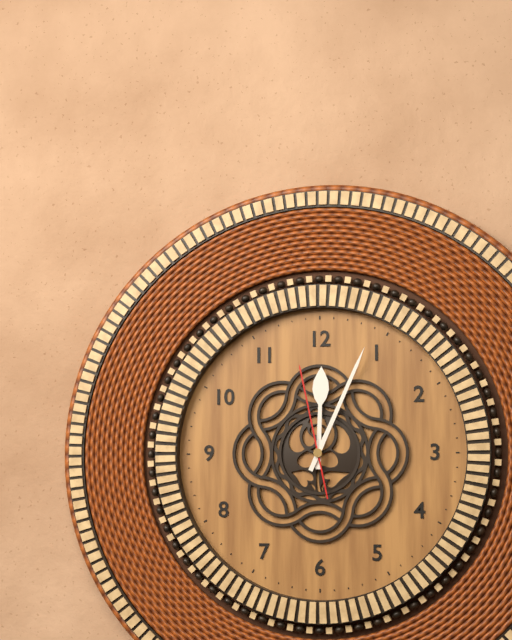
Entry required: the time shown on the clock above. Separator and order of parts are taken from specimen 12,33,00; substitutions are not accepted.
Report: 12,04,58
